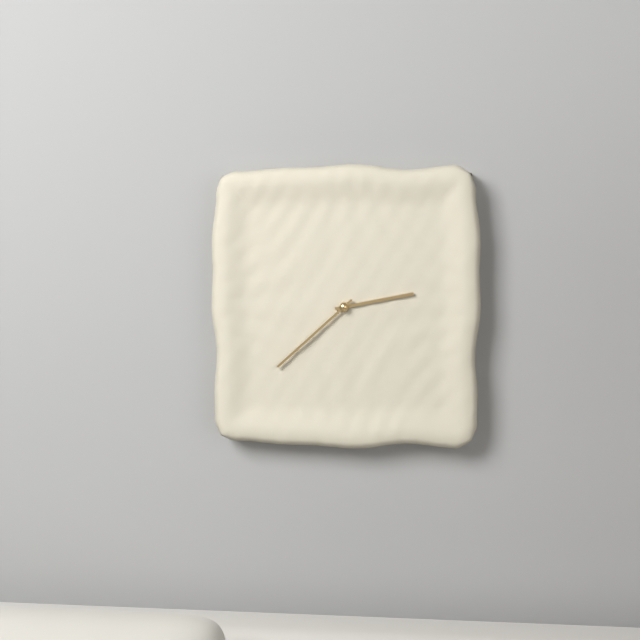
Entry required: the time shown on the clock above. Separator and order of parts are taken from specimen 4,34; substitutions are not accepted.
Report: 2,38
